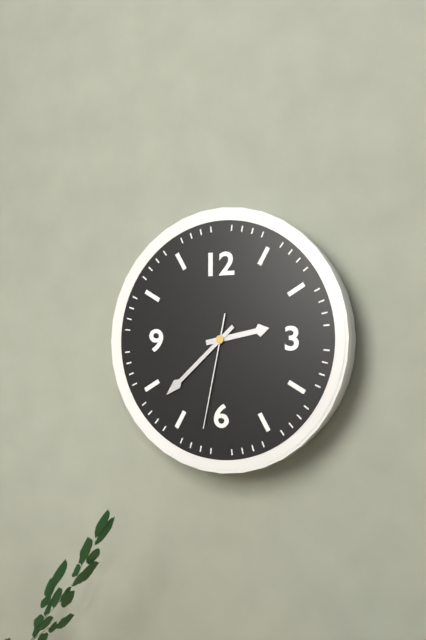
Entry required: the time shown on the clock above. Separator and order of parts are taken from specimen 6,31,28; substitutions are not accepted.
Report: 2,38,32
